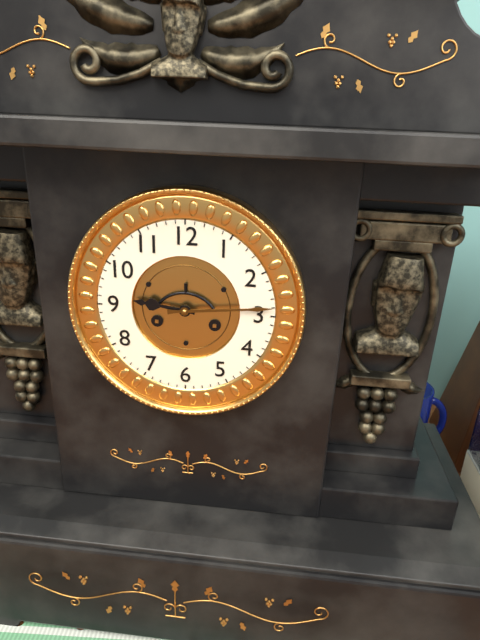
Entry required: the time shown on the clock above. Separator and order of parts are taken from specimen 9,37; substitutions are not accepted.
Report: 9,14
